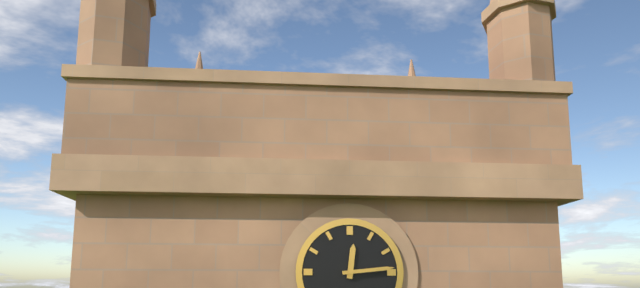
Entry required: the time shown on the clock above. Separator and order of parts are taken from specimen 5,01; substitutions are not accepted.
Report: 12,14
